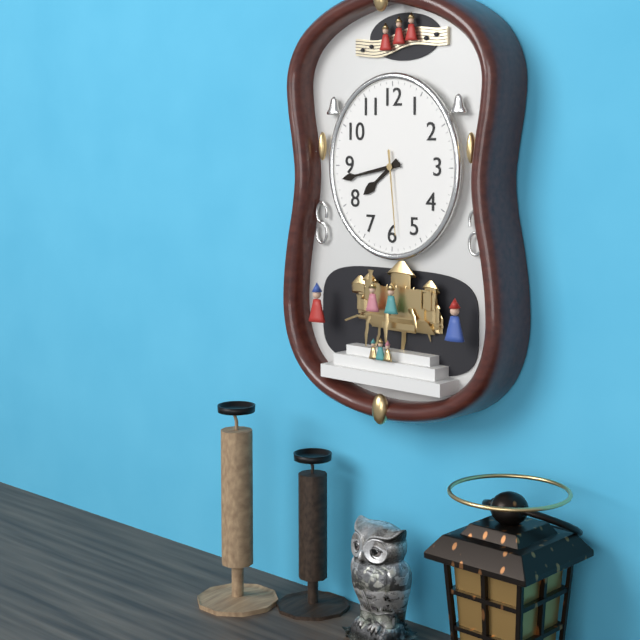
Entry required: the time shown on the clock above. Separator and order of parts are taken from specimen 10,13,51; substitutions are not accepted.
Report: 7,43,29
